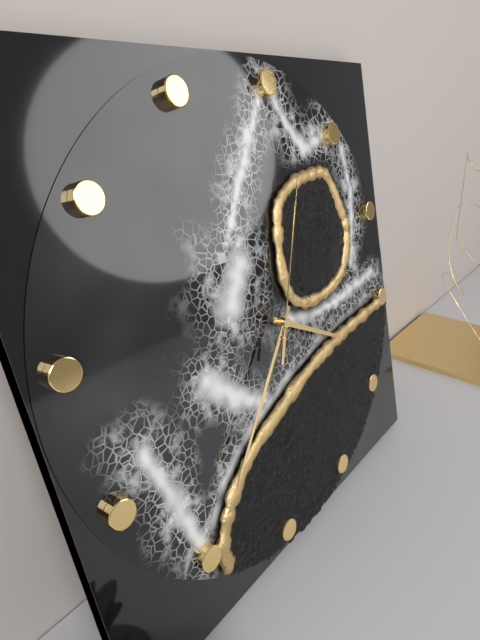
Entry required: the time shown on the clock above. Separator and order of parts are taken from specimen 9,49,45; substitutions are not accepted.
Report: 3,35,02
